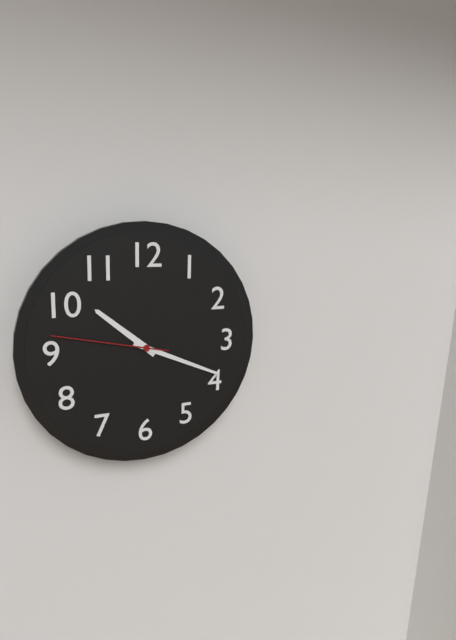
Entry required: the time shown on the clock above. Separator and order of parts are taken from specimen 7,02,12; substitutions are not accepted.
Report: 10,19,47
